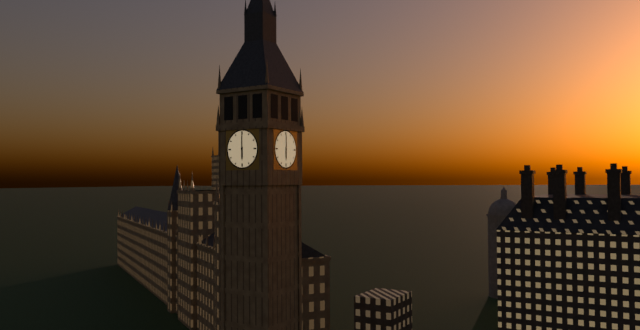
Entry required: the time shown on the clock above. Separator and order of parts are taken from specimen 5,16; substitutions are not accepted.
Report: 6,00
